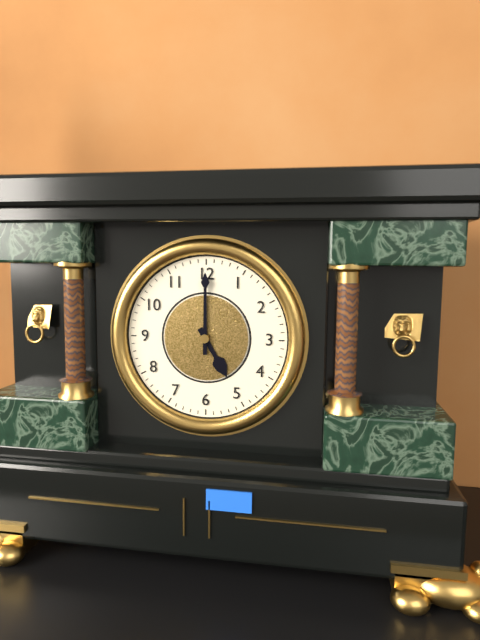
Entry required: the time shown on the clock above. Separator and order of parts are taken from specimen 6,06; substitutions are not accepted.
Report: 5,00
